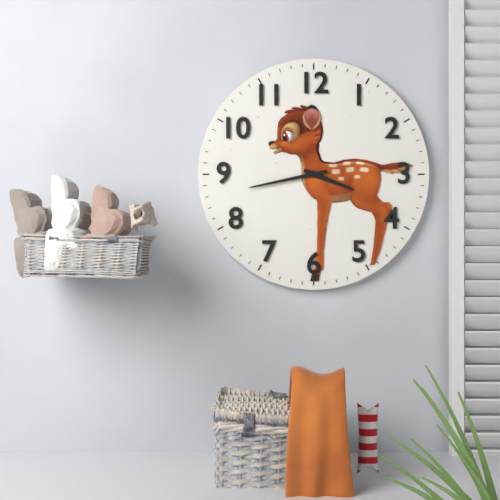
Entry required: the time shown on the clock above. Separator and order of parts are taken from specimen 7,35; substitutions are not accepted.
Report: 3,43
